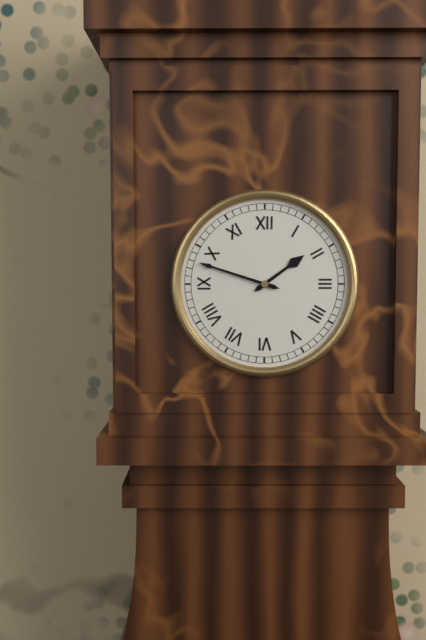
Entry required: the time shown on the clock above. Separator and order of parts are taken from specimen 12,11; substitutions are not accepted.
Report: 1,48
